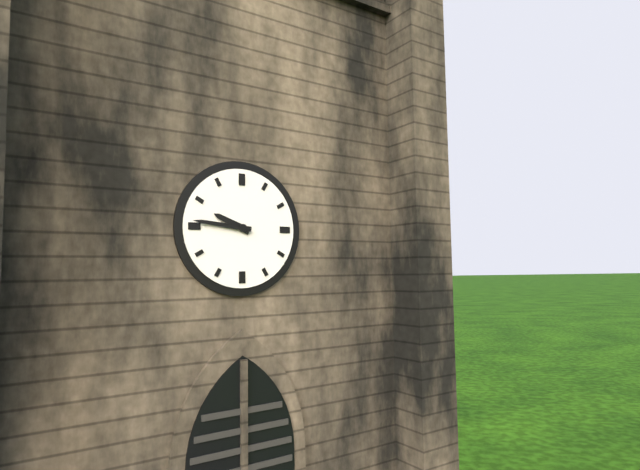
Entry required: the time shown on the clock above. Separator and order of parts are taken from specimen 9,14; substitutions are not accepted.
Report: 9,46
